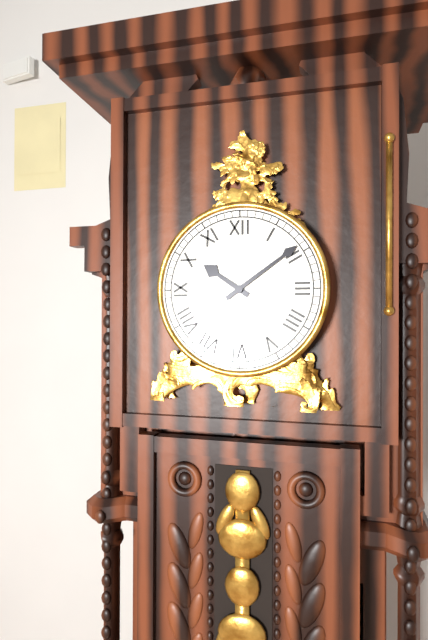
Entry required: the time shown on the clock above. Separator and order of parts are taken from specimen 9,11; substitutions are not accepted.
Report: 10,09
